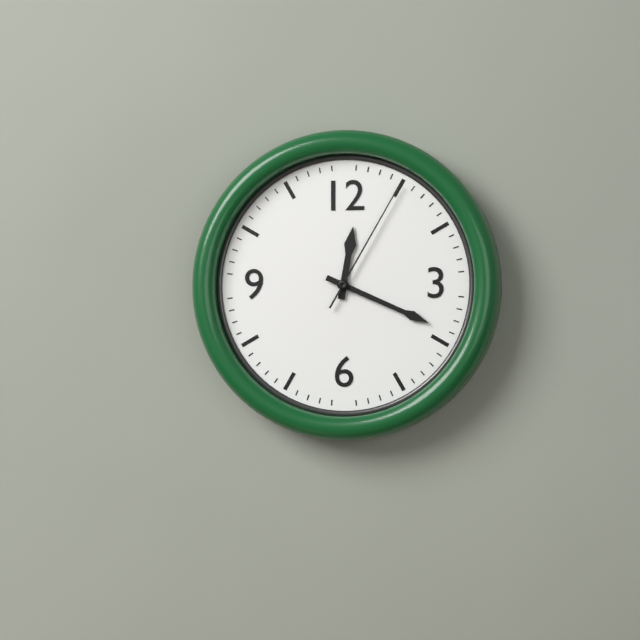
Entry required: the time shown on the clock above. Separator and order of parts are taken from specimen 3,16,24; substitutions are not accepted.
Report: 12,19,05
